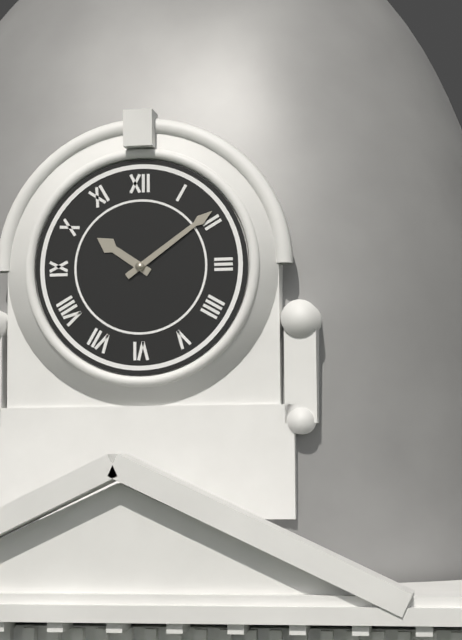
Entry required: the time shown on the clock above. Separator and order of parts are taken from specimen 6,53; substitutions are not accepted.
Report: 10,09
